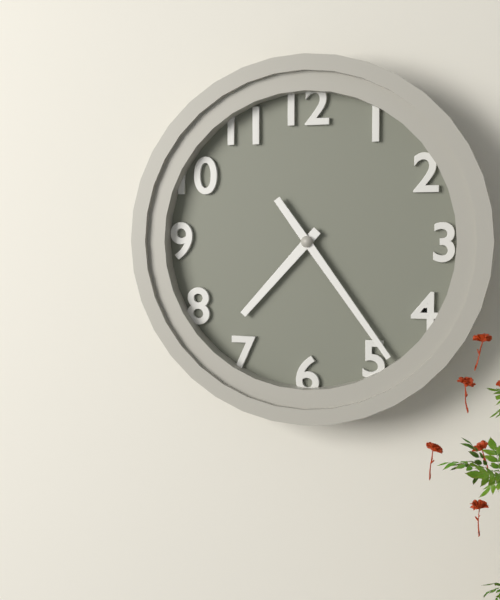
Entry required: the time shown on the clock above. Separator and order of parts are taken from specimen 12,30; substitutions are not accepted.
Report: 7,24
